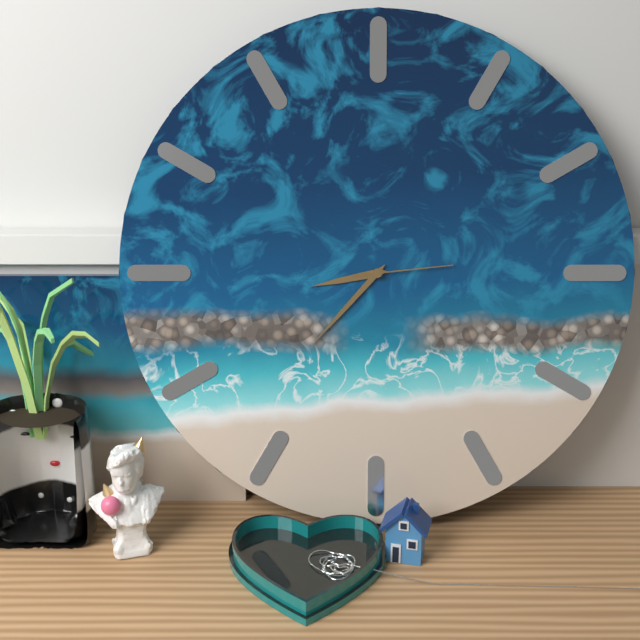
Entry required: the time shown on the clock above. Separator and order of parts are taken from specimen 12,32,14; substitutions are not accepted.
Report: 8,37,14
